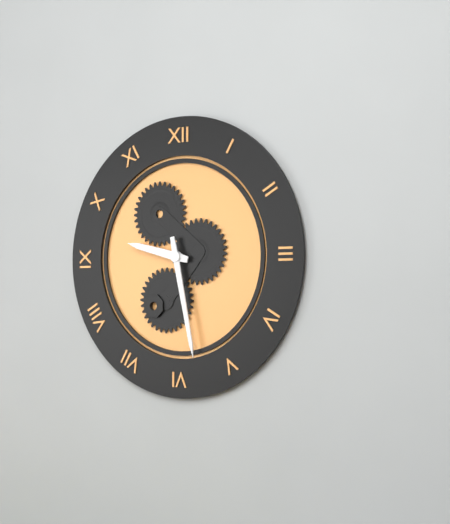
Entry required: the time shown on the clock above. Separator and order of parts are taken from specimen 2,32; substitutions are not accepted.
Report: 9,28
